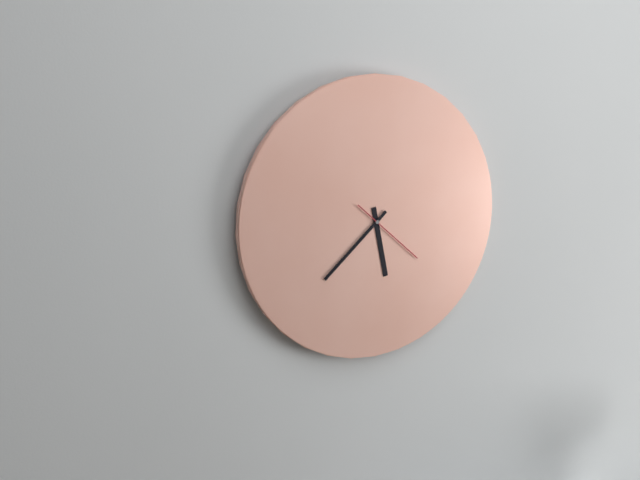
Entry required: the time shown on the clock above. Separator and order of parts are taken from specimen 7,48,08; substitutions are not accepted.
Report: 5,38,22
